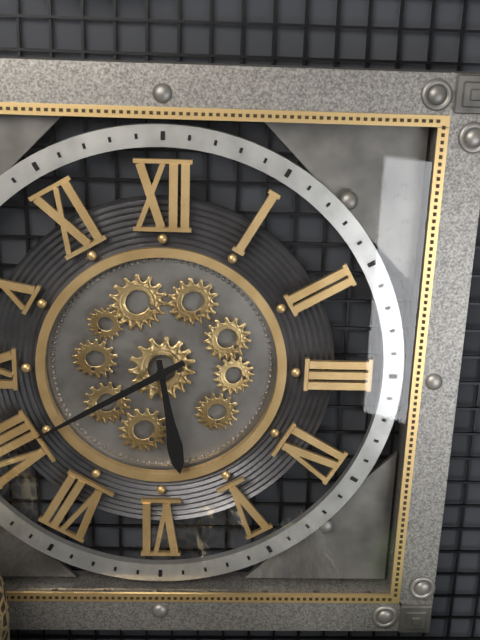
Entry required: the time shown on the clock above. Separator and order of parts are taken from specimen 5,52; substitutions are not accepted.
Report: 5,40
